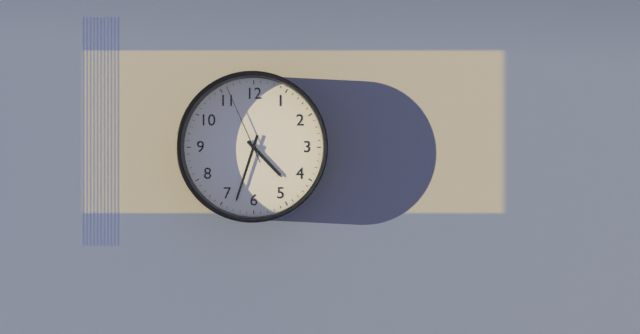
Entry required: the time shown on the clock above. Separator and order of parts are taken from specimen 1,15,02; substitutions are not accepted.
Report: 4,33,56
